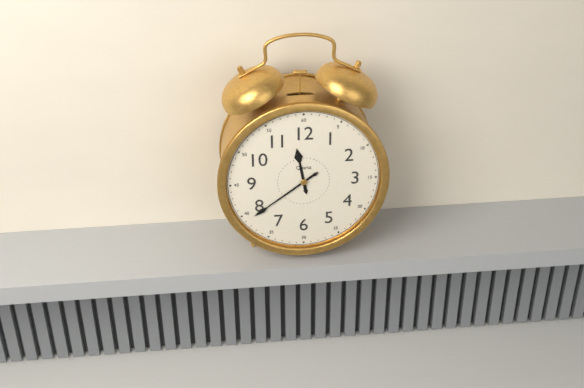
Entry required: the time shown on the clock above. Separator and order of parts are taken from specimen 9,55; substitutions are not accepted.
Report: 11,39
